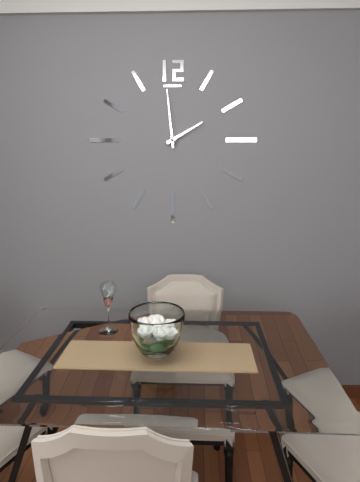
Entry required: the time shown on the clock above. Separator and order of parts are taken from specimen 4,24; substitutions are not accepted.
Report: 1,59
